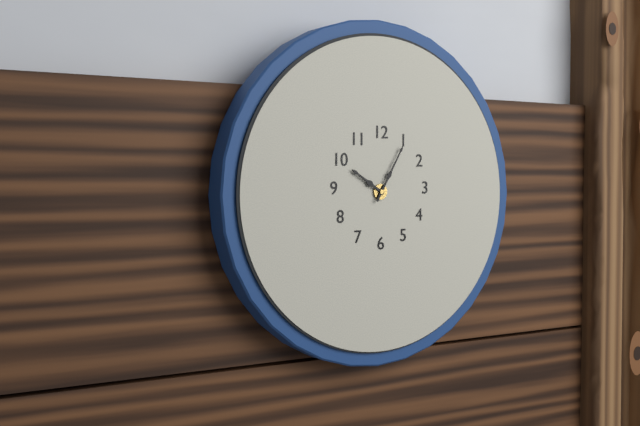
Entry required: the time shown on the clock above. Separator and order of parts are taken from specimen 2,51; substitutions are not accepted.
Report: 10,05
